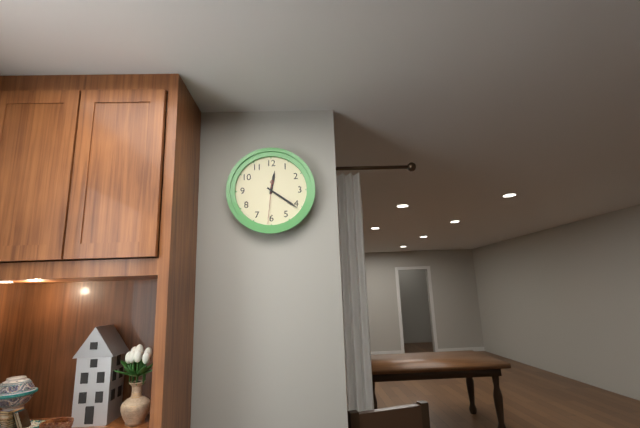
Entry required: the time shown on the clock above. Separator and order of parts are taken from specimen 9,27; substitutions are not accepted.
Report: 12,21
